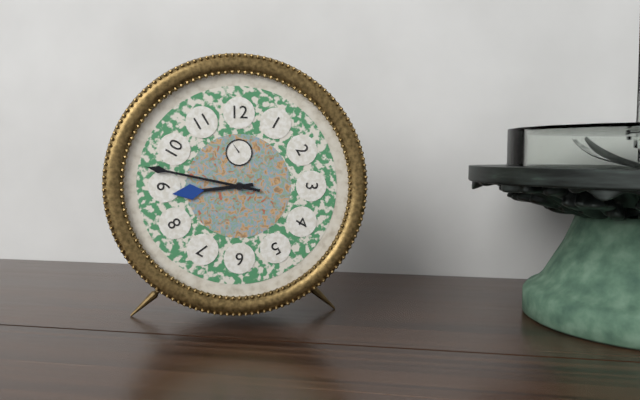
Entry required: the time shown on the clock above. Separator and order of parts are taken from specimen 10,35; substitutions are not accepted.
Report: 8,47
